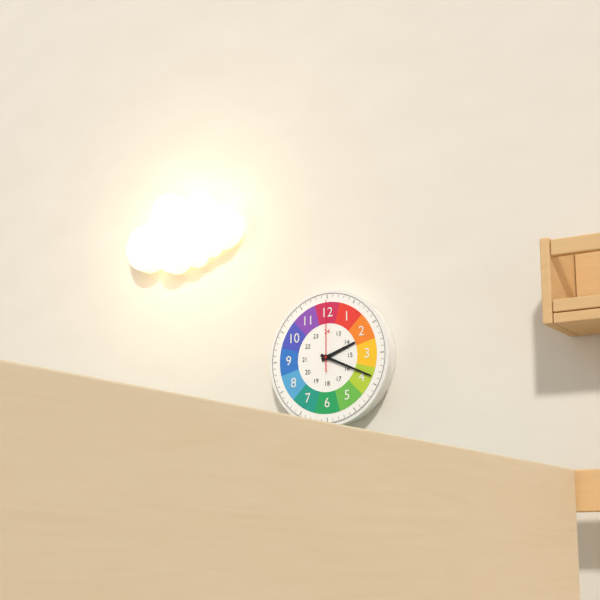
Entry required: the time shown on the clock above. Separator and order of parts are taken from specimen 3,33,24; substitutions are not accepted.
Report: 2,19,00
